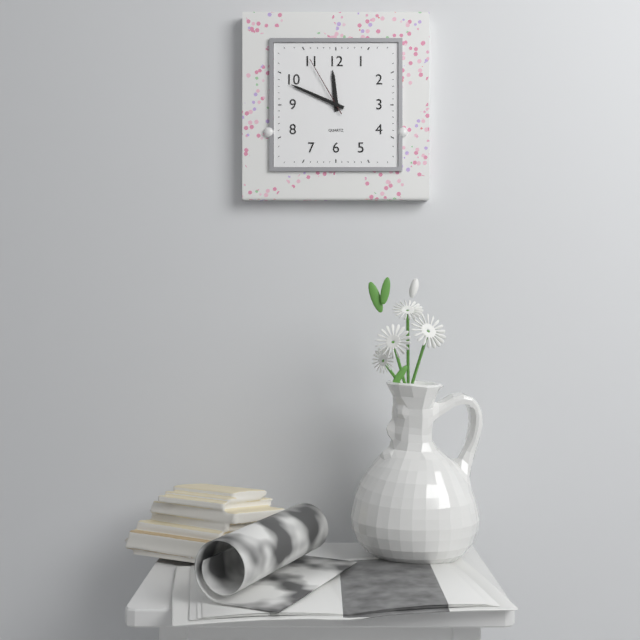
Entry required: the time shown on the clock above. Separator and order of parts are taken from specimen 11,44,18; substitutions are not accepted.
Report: 11,49,55
